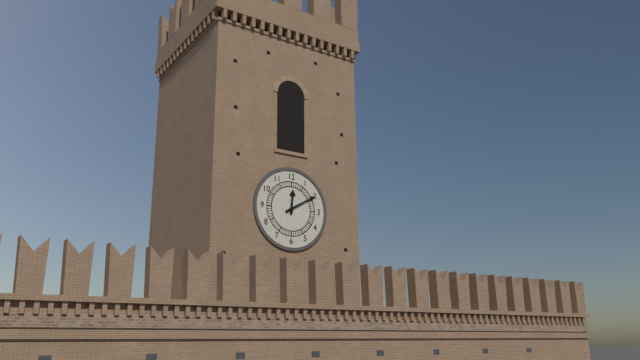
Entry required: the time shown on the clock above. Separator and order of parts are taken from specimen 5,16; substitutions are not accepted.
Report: 12,10
